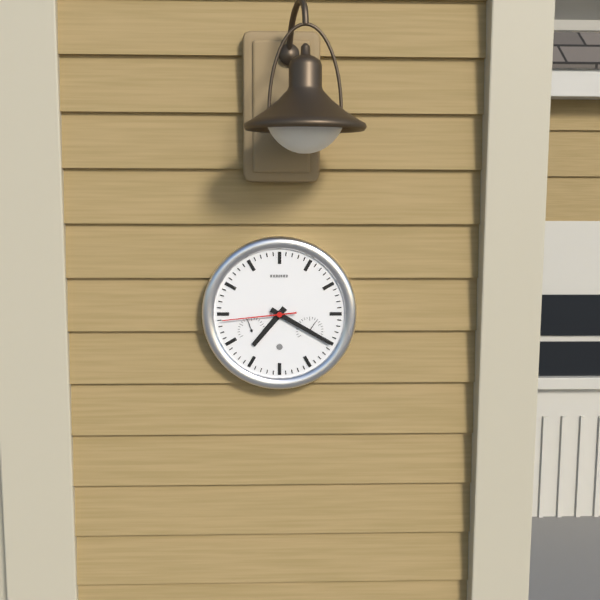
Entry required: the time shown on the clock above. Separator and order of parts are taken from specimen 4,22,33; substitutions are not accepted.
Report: 7,20,44
